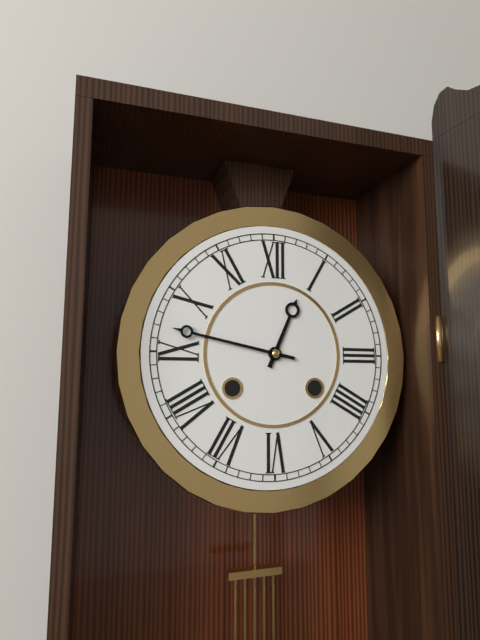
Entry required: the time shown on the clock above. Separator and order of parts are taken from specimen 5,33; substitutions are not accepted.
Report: 12,47
